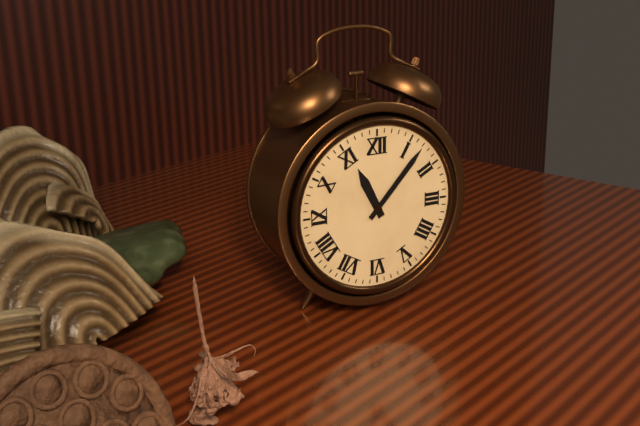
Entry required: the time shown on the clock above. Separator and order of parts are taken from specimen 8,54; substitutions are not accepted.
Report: 11,07
